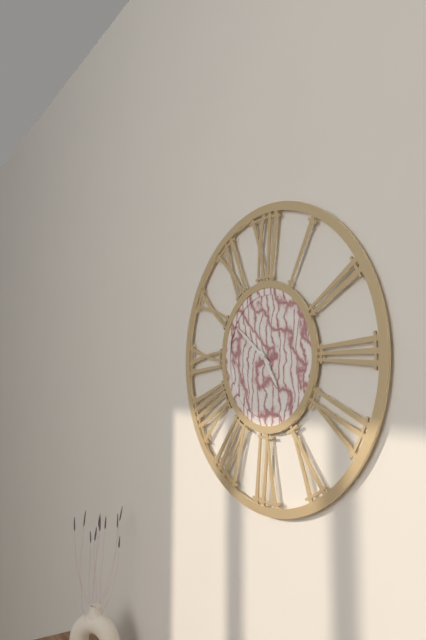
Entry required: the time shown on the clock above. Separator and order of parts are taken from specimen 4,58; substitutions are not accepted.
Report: 4,51
